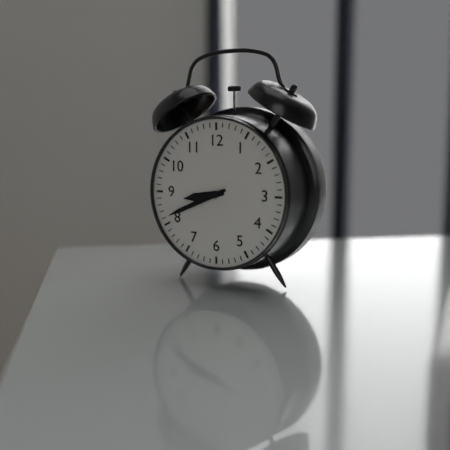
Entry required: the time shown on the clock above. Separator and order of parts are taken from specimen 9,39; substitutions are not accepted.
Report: 8,41
